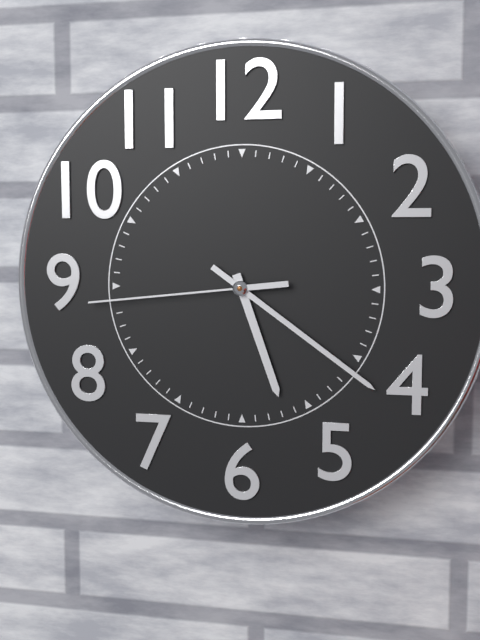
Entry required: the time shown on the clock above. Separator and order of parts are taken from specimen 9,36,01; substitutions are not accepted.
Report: 5,21,44
